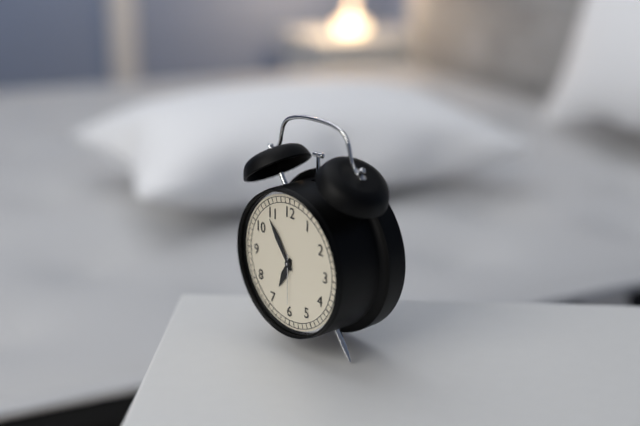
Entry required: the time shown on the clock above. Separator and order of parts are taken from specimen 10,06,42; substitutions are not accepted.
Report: 6,54,30
